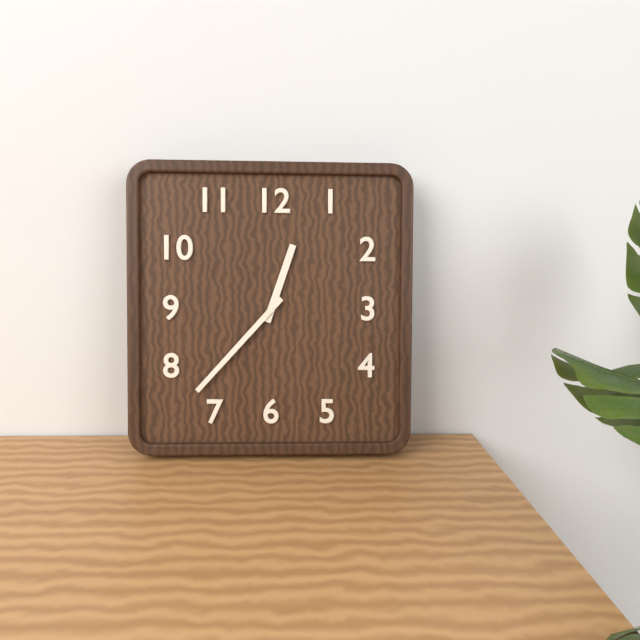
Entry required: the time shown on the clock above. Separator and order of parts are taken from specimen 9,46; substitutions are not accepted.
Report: 12,37
